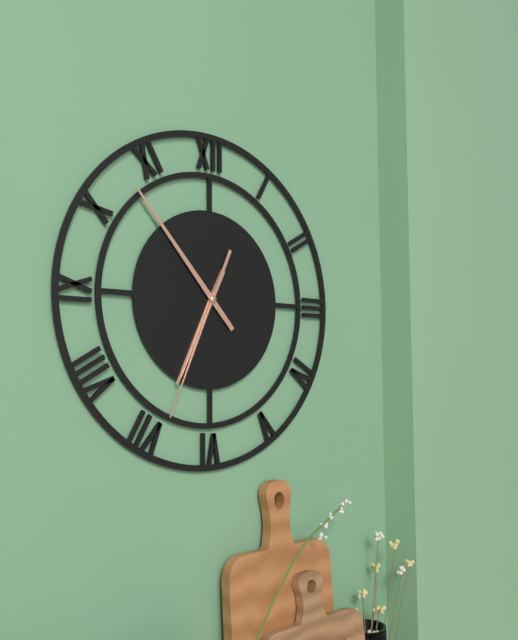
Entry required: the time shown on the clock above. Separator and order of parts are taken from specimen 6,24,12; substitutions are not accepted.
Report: 6,53,34
